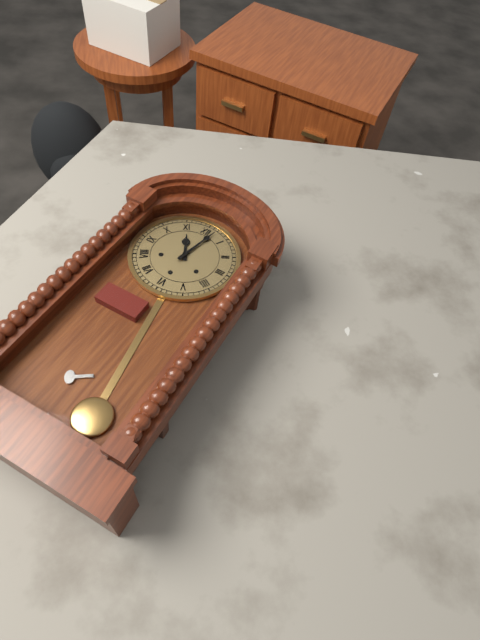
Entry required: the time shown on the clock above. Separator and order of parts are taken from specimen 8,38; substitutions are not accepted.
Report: 11,02
